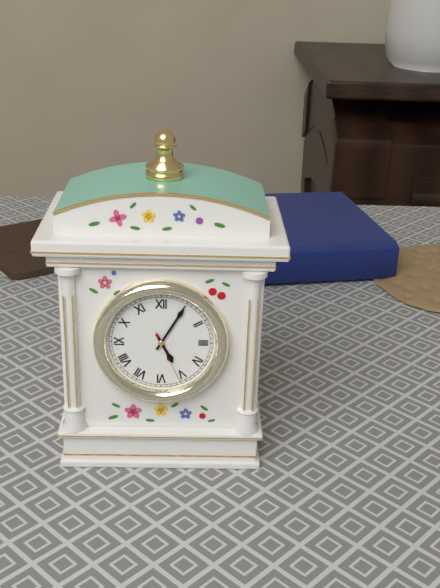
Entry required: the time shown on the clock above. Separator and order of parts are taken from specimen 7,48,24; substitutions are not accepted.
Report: 5,05,26
